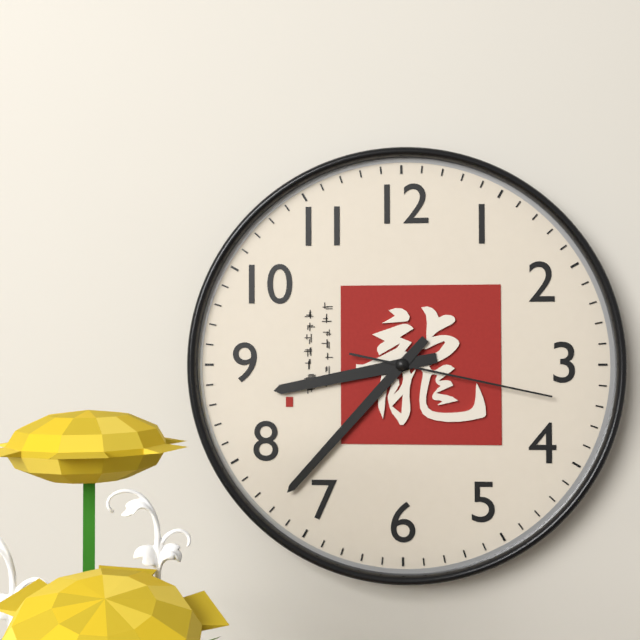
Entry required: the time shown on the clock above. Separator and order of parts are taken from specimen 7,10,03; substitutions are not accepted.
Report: 8,37,17
